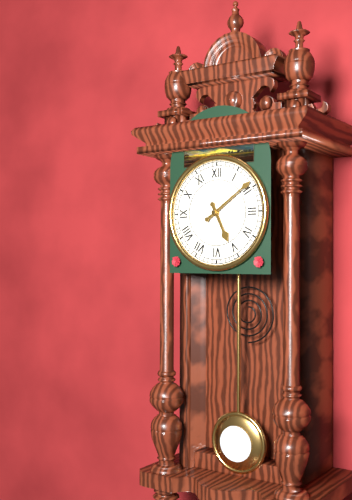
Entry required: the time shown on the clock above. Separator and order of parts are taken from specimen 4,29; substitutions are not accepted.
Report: 5,09
